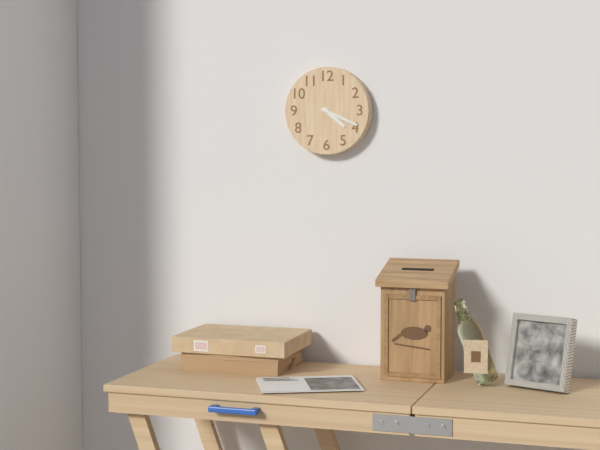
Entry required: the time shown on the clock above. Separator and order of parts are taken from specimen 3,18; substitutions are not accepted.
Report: 4,19
